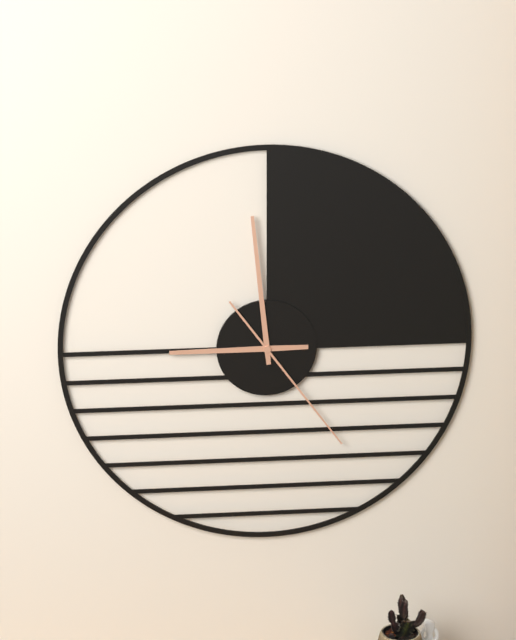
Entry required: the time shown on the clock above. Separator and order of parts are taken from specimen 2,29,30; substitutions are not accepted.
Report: 8,59,24
